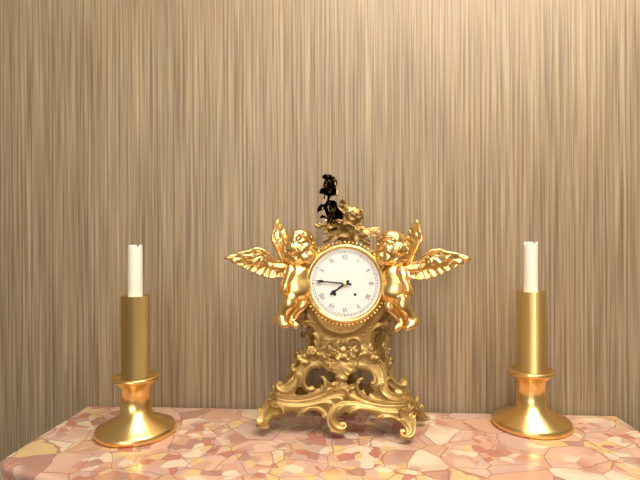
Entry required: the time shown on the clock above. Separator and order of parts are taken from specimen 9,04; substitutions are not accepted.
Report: 7,46
